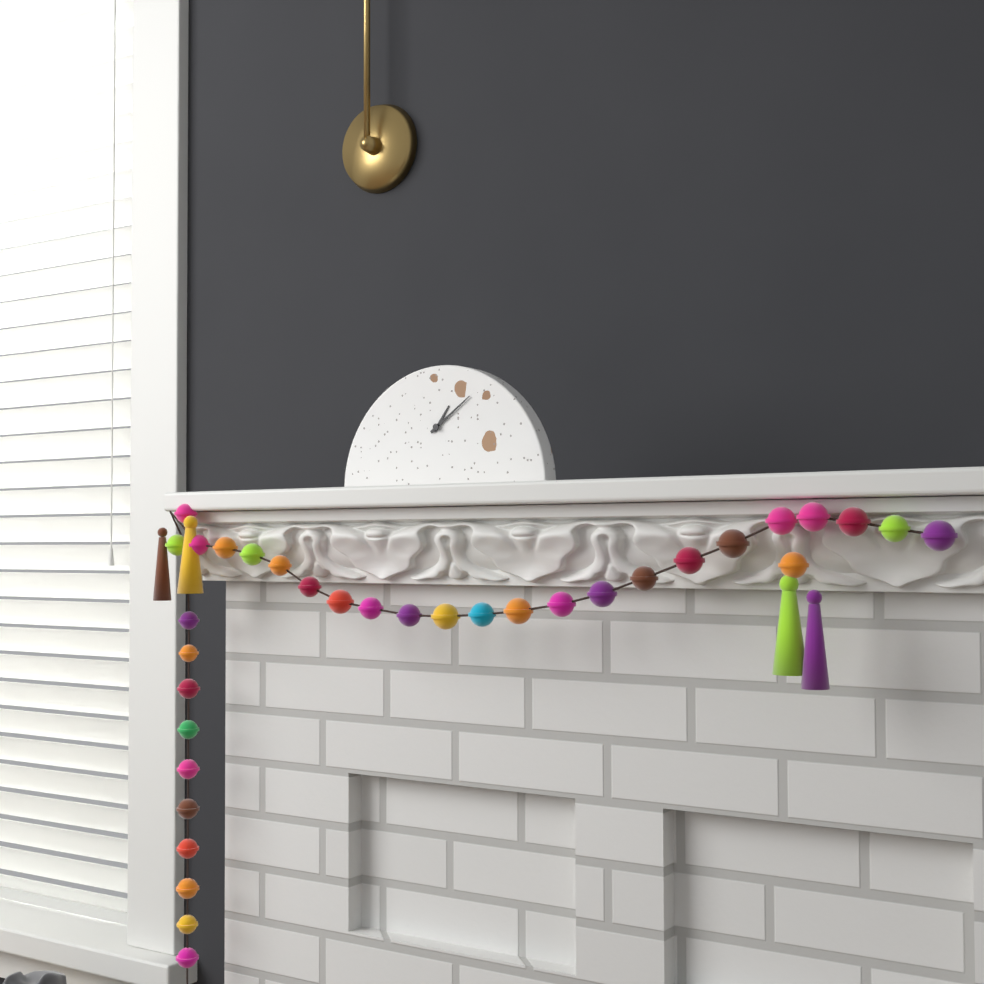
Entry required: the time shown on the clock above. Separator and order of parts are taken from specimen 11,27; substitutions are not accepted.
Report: 1,09
